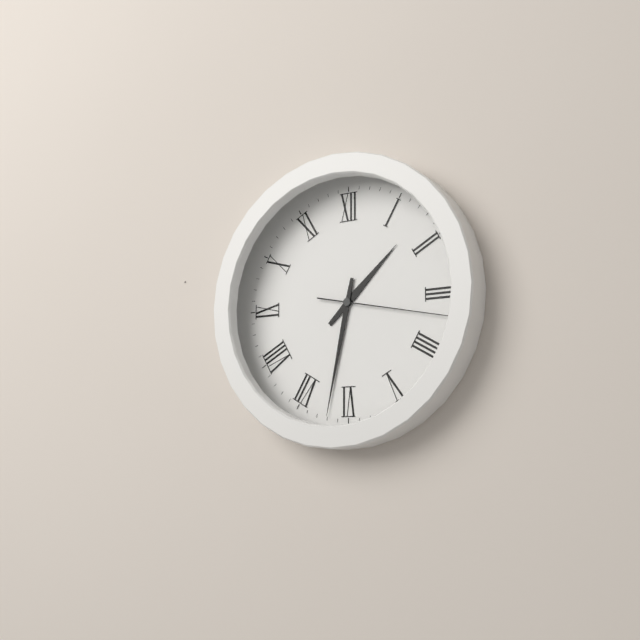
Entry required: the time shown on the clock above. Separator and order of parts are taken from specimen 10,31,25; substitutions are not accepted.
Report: 1,32,17
